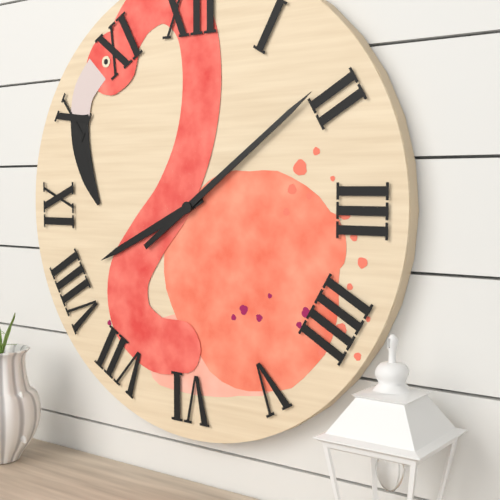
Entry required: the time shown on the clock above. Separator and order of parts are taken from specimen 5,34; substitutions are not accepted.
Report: 8,09
